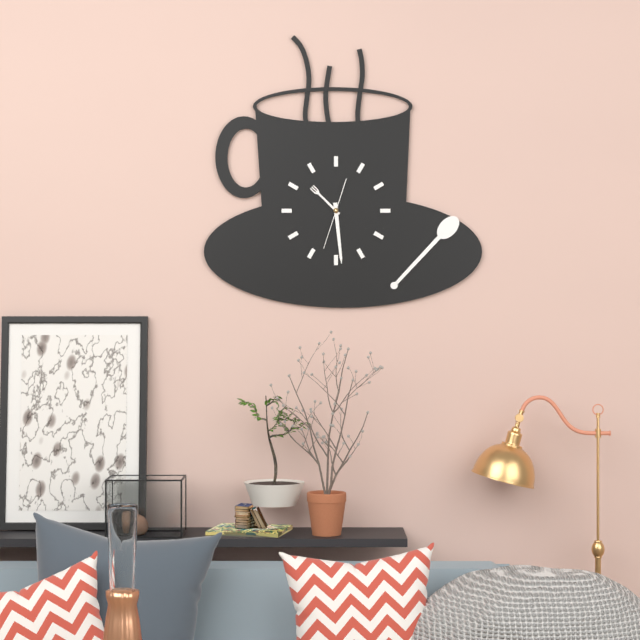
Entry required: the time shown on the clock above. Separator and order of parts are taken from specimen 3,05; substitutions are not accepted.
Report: 10,29
